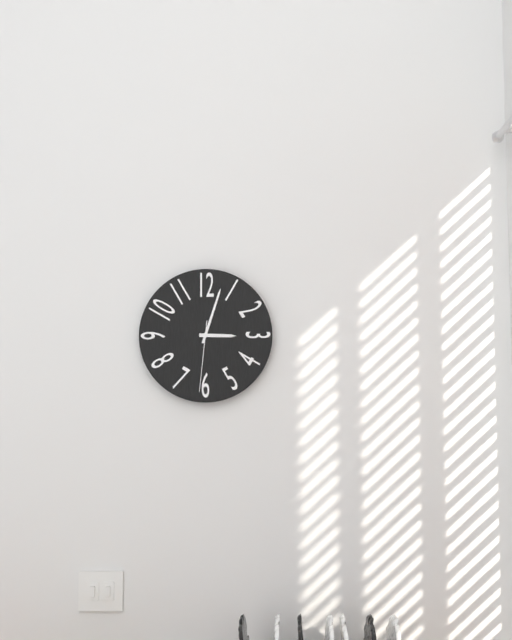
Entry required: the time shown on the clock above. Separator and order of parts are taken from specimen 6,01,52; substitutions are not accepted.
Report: 3,03,31
